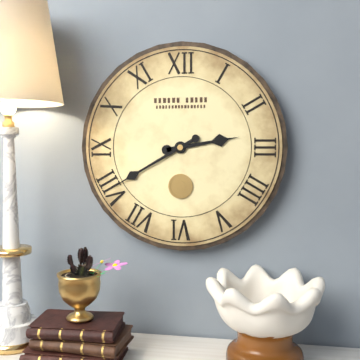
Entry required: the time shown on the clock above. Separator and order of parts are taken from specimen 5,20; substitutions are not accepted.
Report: 2,40
